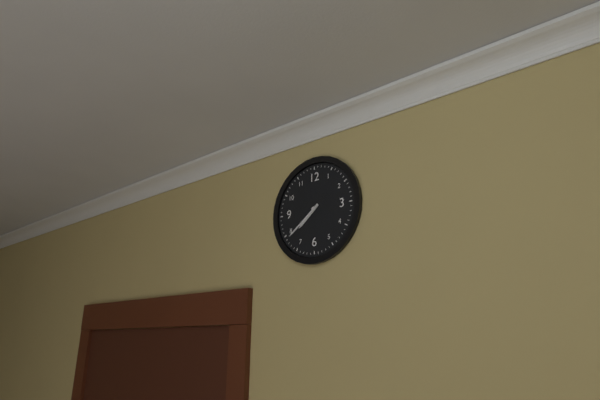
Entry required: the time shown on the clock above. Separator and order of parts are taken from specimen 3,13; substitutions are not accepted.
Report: 7,39
